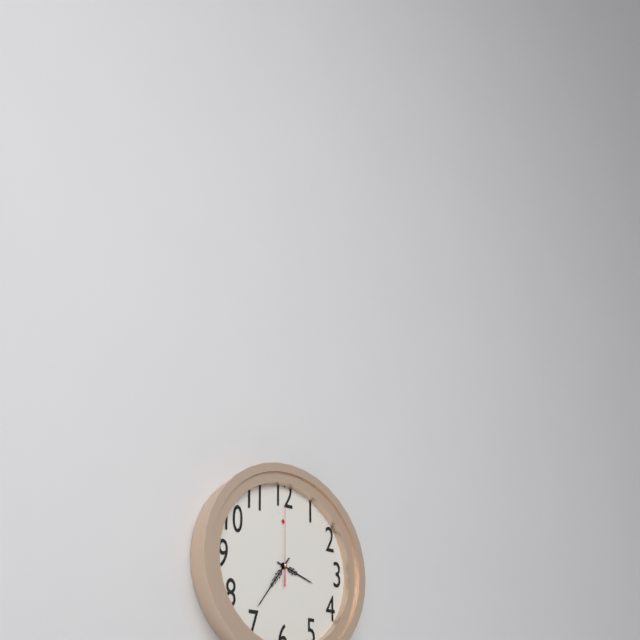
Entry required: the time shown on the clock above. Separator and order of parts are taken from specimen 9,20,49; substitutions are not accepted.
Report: 3,36,00
